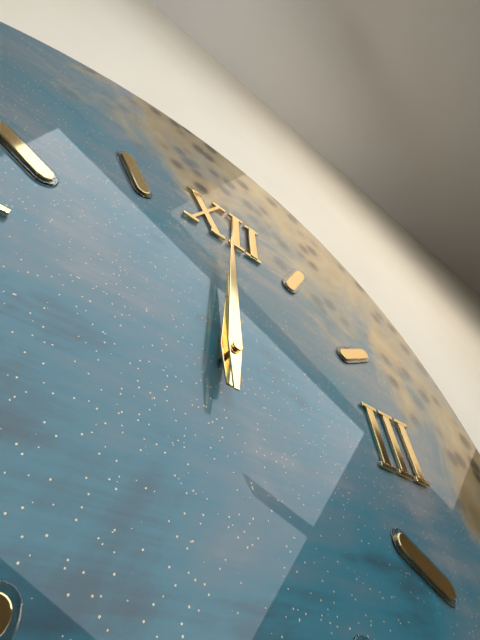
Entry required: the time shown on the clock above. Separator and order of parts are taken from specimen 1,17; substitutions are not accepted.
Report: 12,00
